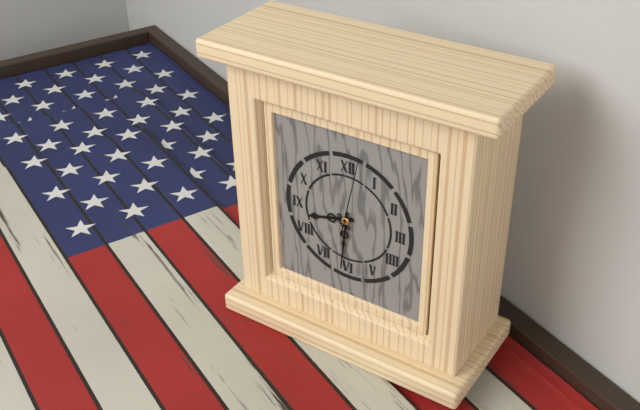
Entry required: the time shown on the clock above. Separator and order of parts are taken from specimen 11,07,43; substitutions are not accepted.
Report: 8,31,02
